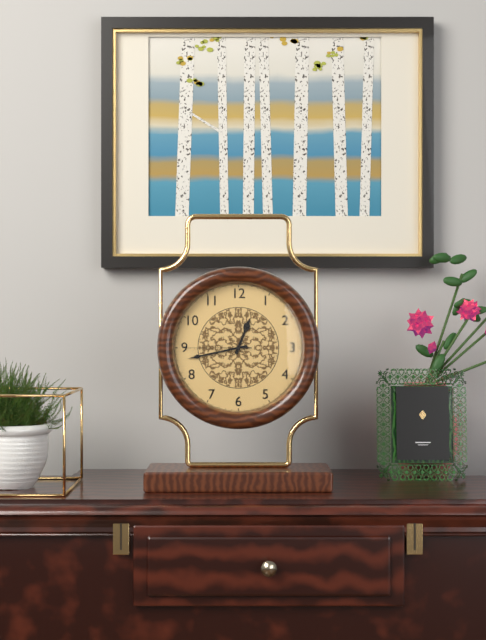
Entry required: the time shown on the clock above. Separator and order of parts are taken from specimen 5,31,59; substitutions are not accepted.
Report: 12,43,45
